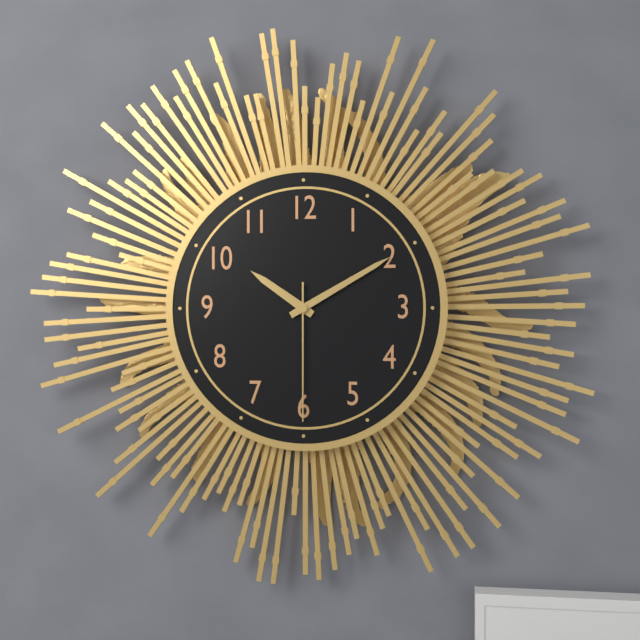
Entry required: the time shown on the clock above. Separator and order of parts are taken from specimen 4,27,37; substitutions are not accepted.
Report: 10,10,30
